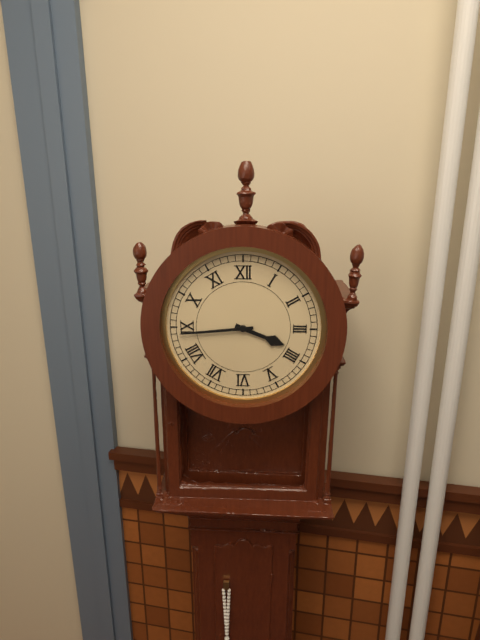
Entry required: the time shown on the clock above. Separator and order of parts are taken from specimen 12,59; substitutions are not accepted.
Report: 3,44
